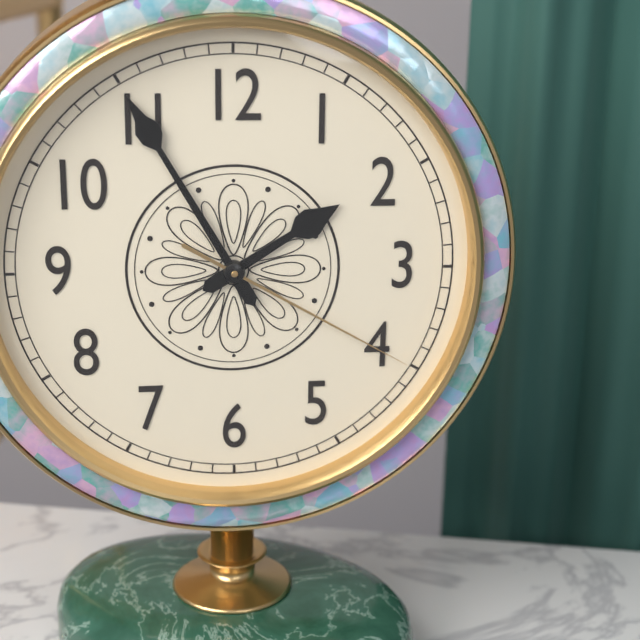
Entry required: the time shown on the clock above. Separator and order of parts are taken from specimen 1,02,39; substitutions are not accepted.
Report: 1,55,20
